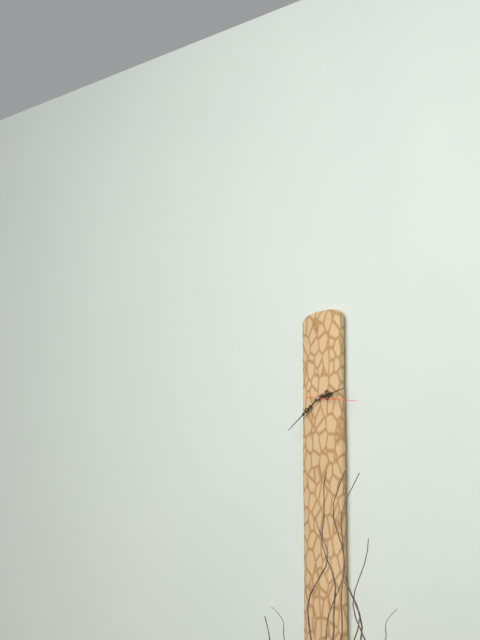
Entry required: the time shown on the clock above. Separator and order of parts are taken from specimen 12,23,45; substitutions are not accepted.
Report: 2,39,17
